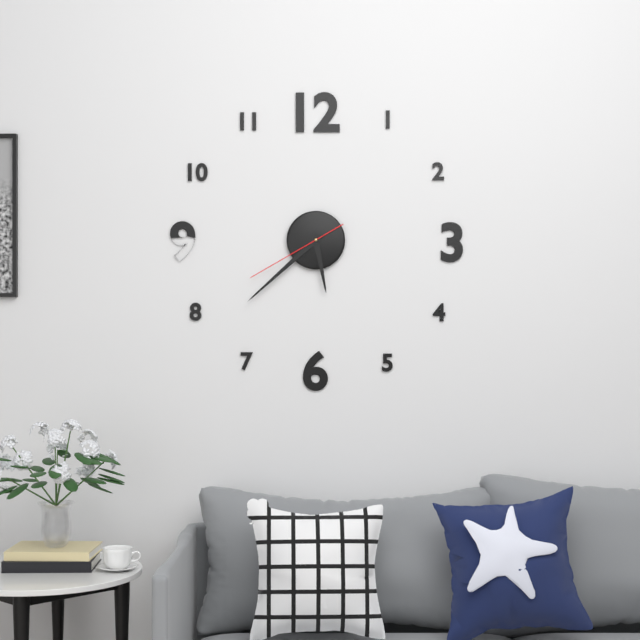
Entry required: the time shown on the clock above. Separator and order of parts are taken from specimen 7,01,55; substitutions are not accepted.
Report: 5,38,40
